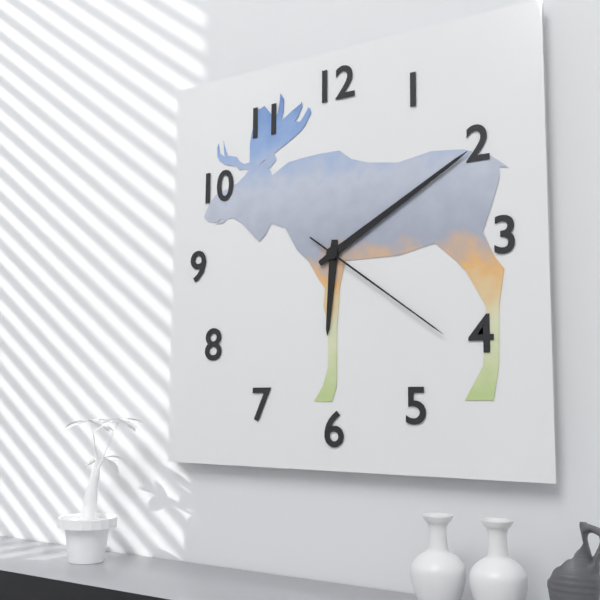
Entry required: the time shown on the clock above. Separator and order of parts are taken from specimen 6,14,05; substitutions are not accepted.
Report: 6,10,21
